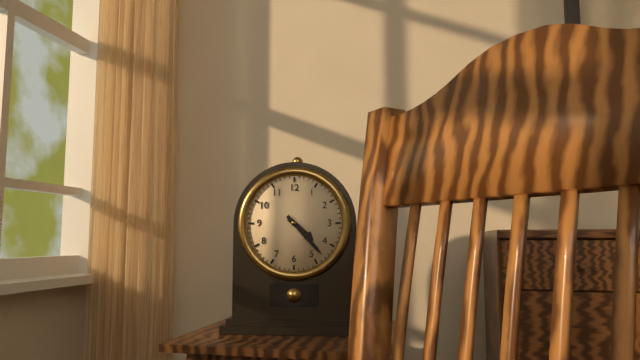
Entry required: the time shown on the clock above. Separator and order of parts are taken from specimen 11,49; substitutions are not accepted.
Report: 4,23
